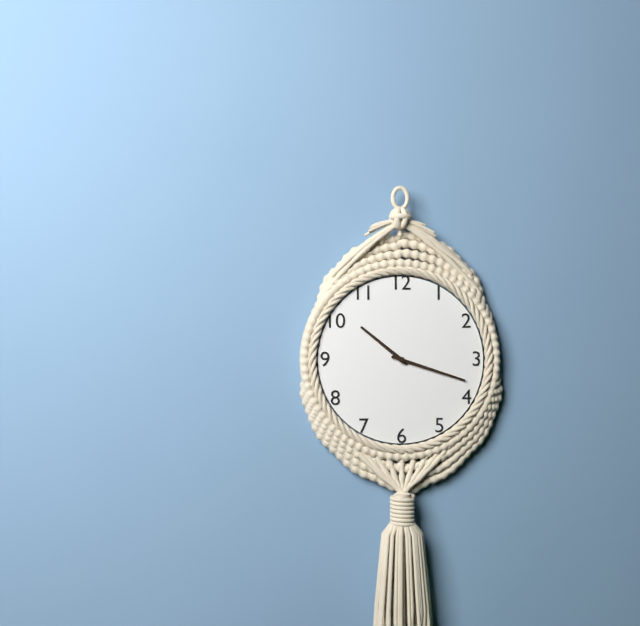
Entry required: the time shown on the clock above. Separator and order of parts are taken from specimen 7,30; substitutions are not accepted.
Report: 10,18
